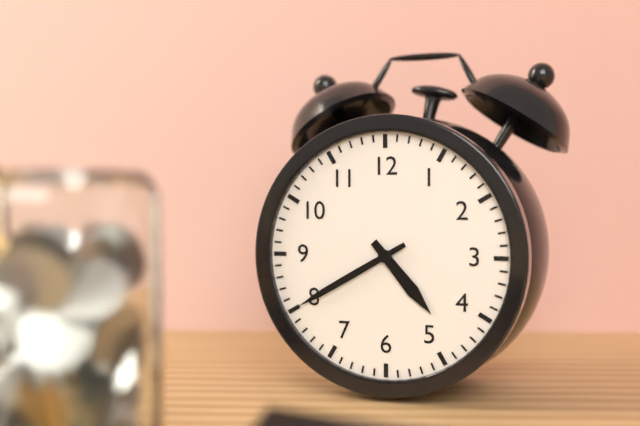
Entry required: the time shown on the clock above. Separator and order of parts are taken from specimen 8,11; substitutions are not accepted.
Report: 4,40
